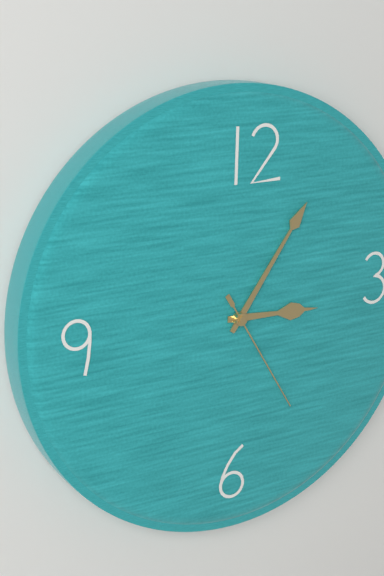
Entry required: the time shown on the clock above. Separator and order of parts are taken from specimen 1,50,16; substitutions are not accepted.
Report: 3,06,25
